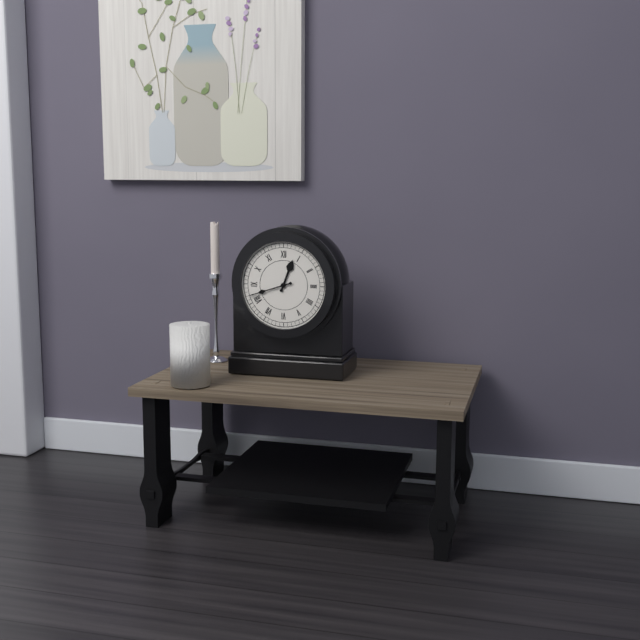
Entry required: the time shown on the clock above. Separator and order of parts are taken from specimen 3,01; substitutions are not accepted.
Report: 12,42
